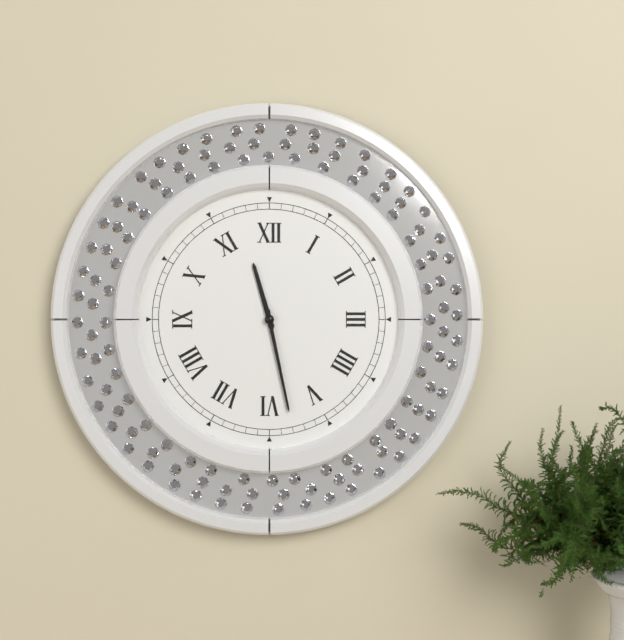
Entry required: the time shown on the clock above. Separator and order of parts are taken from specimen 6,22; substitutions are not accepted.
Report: 11,28
